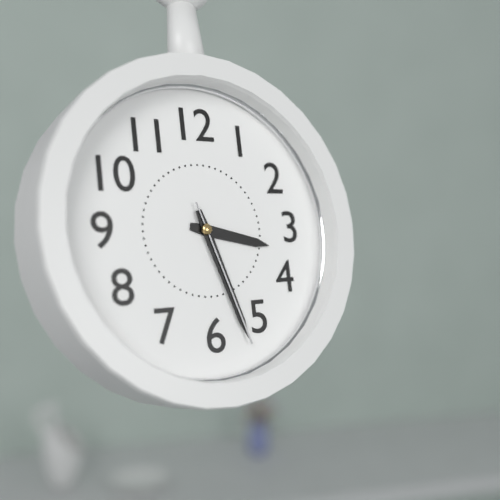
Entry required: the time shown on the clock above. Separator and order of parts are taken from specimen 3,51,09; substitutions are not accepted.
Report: 3,27,27
